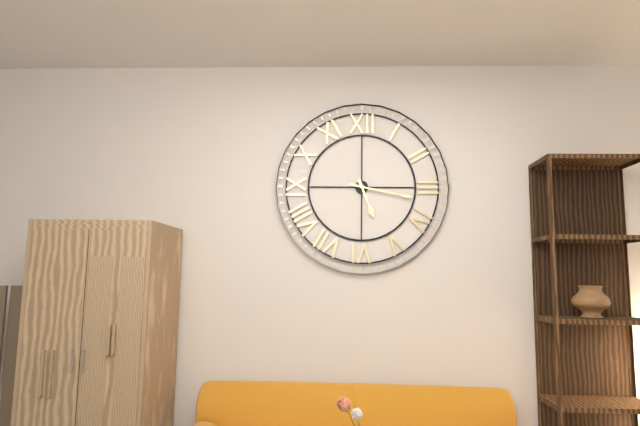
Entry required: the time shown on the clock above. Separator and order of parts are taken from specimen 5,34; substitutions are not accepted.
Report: 5,17
